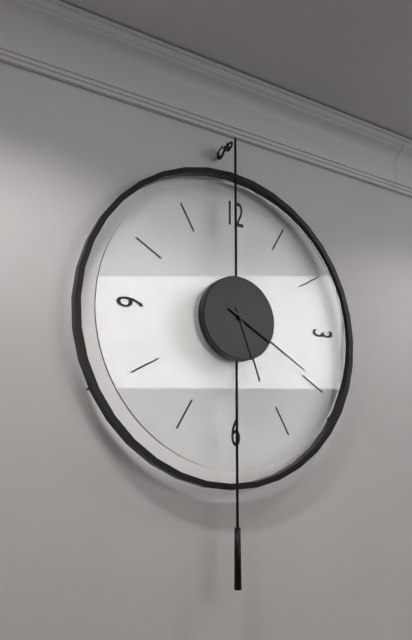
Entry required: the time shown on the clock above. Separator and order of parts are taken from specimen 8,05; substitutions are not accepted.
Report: 5,20
